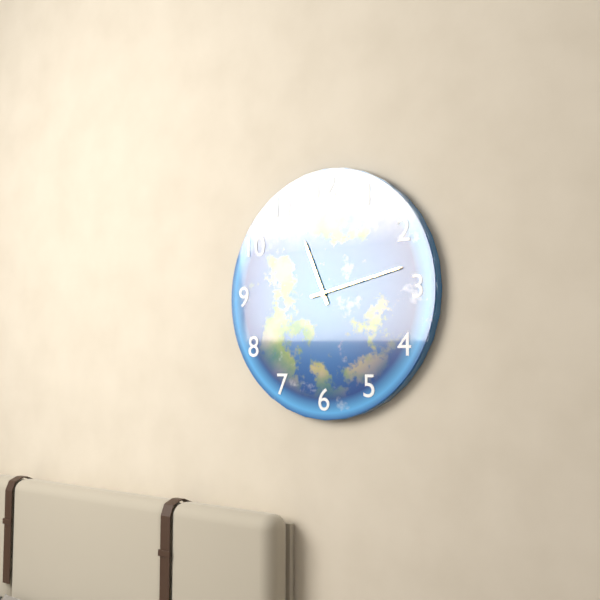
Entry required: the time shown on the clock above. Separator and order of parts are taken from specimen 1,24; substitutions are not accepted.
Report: 11,13
